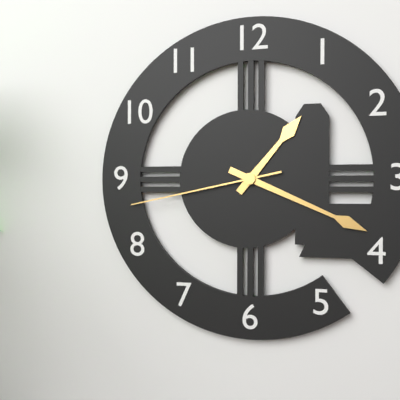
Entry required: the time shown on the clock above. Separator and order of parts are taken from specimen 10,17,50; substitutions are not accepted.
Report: 1,19,43
